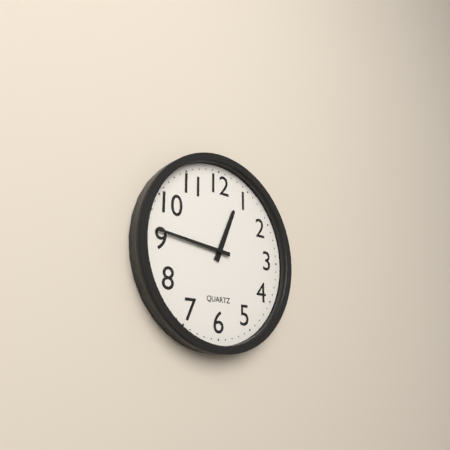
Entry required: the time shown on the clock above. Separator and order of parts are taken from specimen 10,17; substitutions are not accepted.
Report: 12,46
